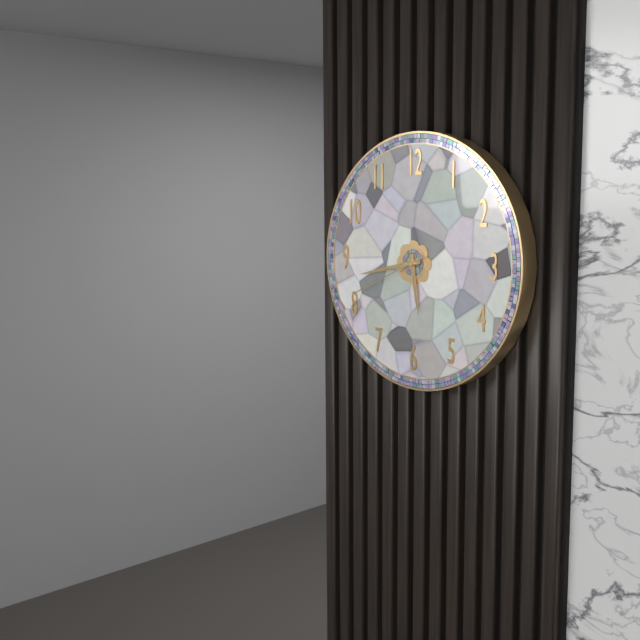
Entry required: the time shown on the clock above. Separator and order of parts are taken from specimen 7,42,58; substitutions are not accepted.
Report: 5,43,41
